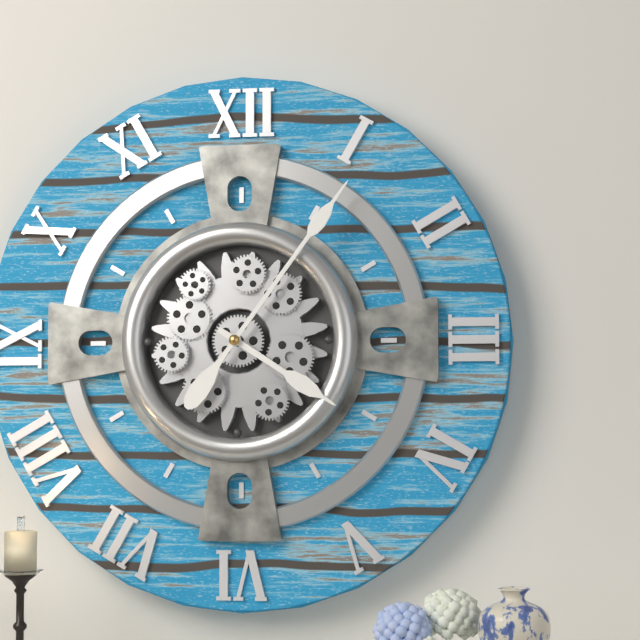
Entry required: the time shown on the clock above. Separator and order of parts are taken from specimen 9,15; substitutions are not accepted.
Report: 4,06
